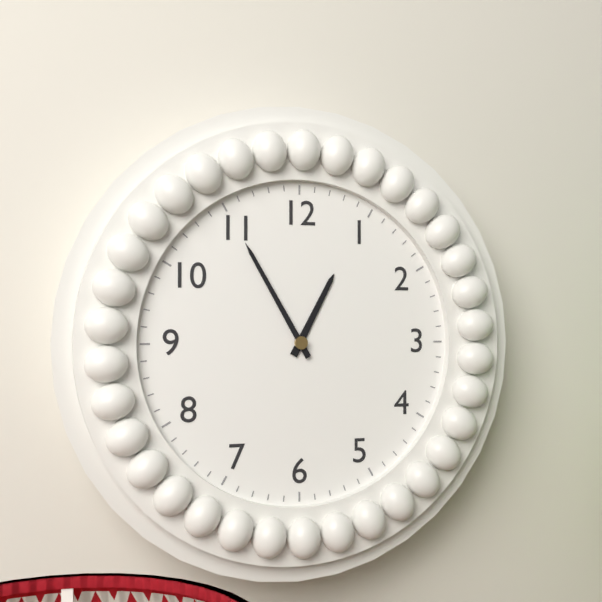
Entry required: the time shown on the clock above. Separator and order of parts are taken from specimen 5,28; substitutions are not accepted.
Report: 12,55
